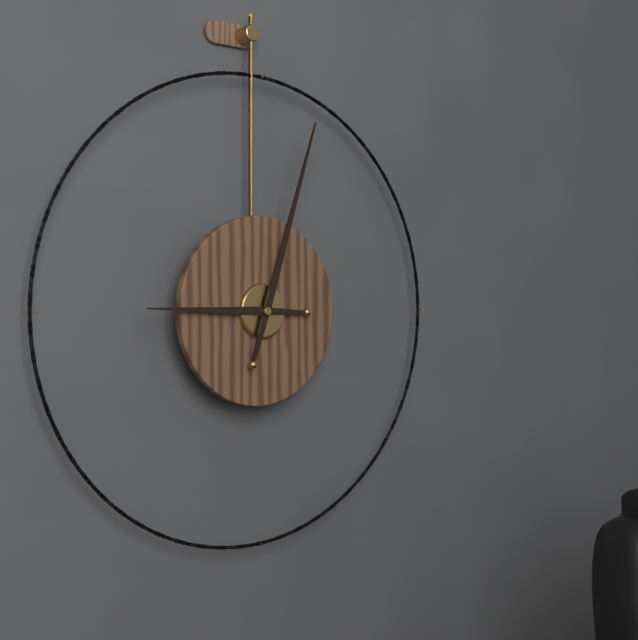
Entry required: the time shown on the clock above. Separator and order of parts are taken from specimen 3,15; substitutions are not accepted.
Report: 9,03
